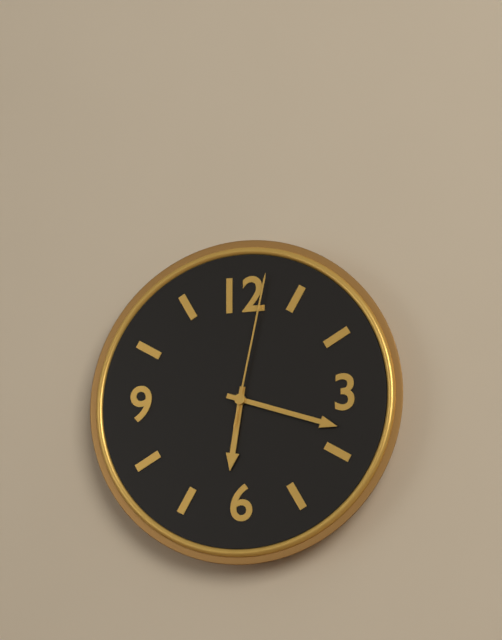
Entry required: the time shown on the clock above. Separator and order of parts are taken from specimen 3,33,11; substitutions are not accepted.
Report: 6,18,02
